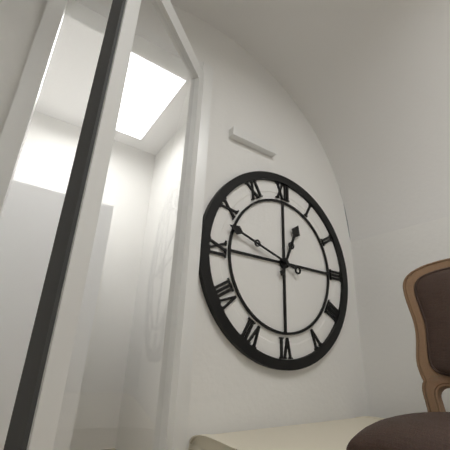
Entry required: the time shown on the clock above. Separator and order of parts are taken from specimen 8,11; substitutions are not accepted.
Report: 12,48
